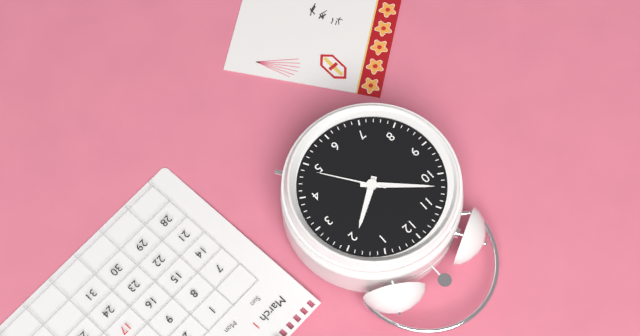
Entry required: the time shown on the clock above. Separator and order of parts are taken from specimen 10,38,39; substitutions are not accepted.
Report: 1,52,24
